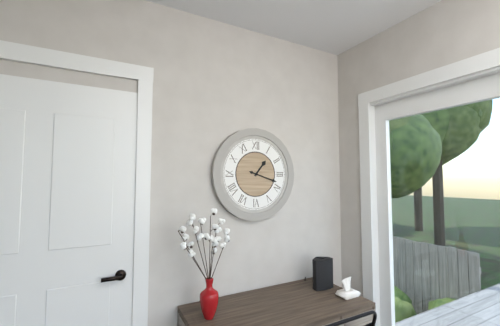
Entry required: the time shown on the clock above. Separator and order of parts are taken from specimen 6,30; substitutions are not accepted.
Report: 1,18
